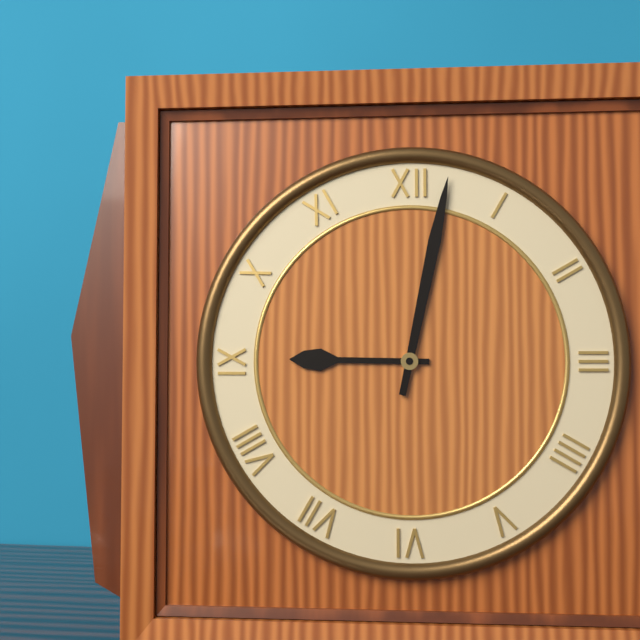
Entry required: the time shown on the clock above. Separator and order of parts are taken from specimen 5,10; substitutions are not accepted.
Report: 9,02
